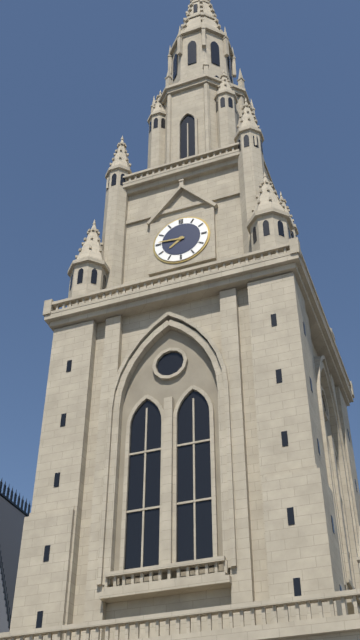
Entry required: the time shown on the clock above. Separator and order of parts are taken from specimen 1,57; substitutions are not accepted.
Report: 7,46
